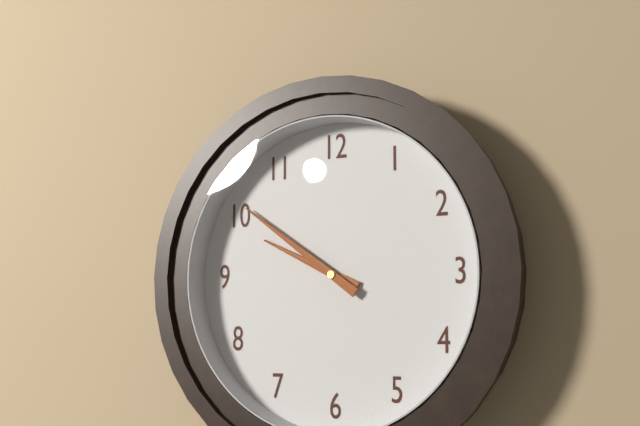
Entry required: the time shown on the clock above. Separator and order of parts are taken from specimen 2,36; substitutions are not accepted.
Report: 9,51
